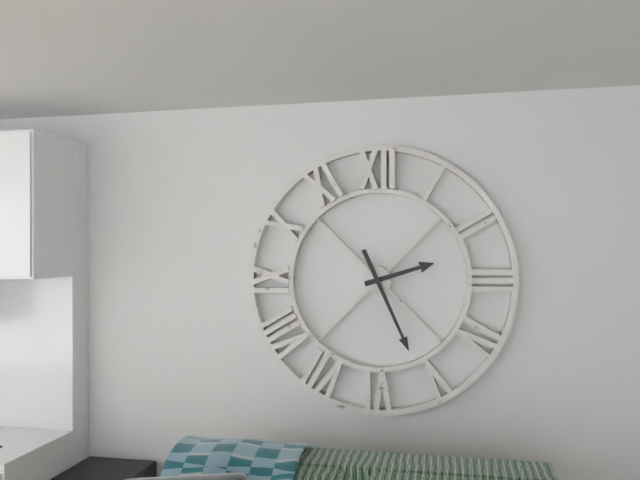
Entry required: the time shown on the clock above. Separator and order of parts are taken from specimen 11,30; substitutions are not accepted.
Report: 2,26
